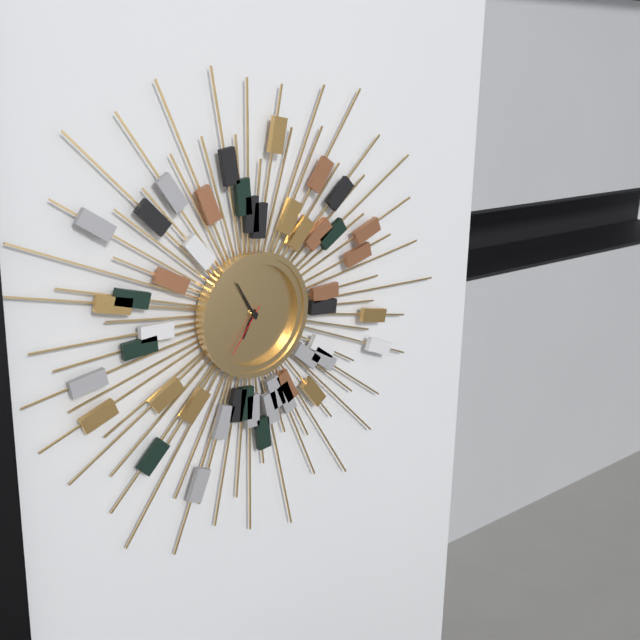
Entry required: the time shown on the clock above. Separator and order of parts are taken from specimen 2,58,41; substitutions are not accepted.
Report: 6,55,36
